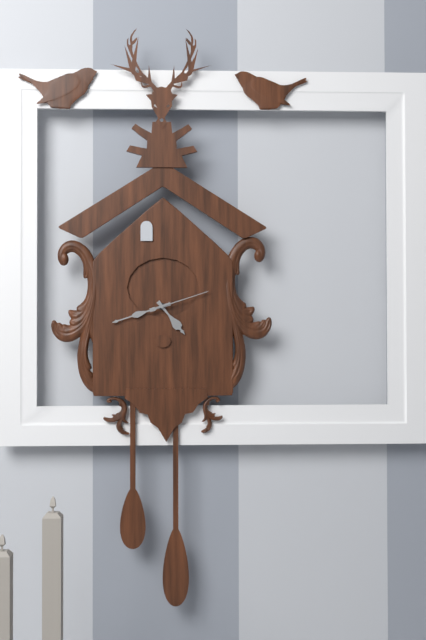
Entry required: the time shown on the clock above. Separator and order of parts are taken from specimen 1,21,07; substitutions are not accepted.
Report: 4,42,12
